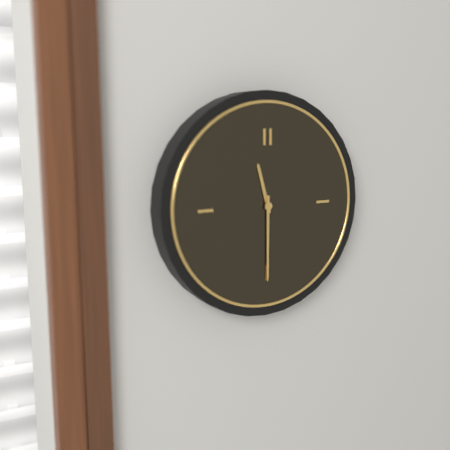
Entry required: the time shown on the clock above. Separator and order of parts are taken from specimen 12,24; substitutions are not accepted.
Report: 11,30
